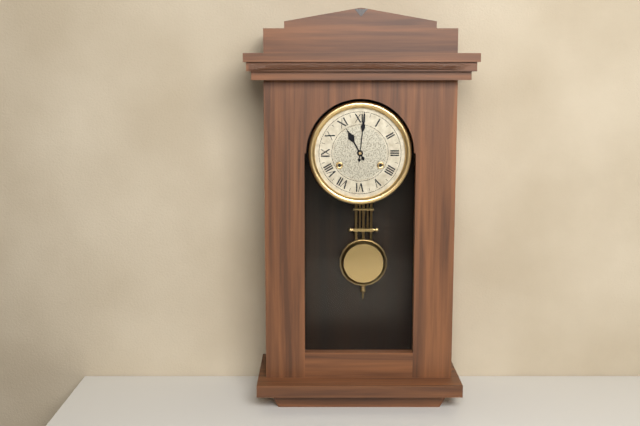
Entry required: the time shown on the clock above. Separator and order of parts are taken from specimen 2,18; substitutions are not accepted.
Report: 11,01
